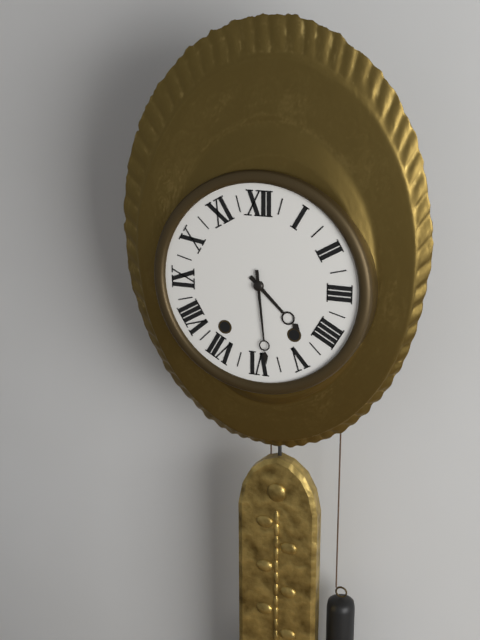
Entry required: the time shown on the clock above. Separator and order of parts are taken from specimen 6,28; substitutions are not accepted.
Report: 4,29
